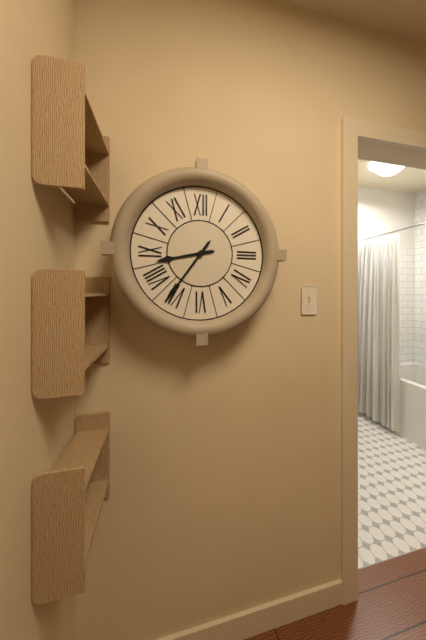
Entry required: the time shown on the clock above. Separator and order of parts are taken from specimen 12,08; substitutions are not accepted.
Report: 8,36
